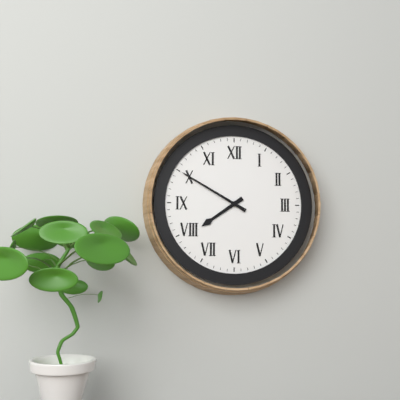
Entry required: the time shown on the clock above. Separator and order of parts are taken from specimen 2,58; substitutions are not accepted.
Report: 7,50
